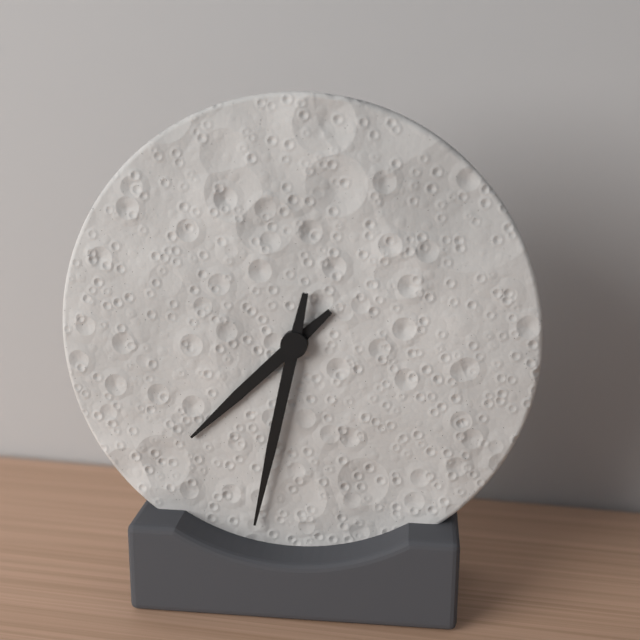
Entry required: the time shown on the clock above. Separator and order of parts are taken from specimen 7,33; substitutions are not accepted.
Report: 7,32
